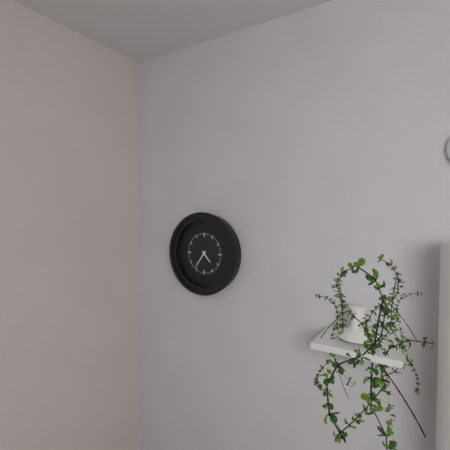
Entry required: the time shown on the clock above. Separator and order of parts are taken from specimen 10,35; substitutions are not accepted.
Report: 4,36
